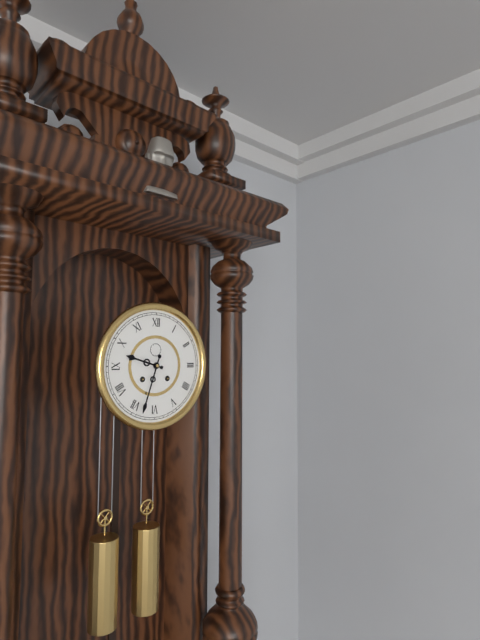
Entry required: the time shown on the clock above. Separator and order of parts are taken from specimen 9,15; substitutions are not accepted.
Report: 9,33
